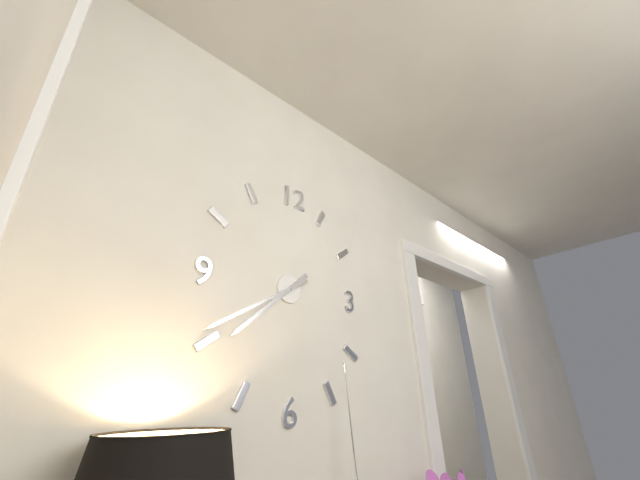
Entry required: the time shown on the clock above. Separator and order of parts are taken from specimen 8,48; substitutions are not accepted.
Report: 7,40
